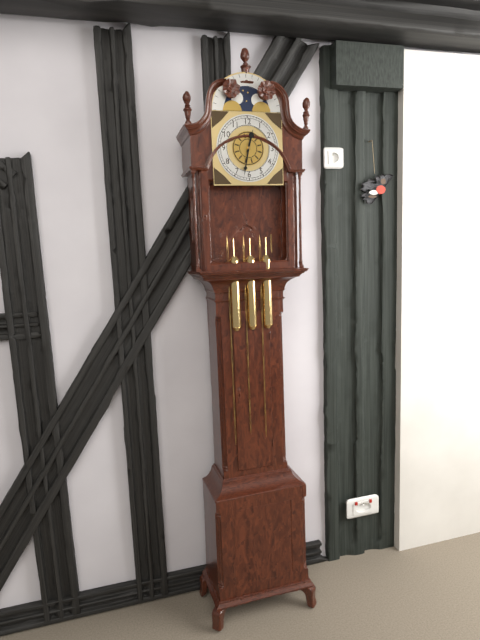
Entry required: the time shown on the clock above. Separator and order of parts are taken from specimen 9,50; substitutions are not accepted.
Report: 12,32
